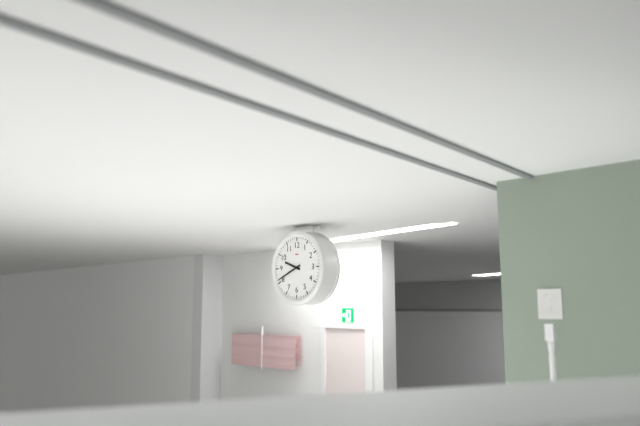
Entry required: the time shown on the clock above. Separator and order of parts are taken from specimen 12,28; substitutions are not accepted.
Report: 9,41
